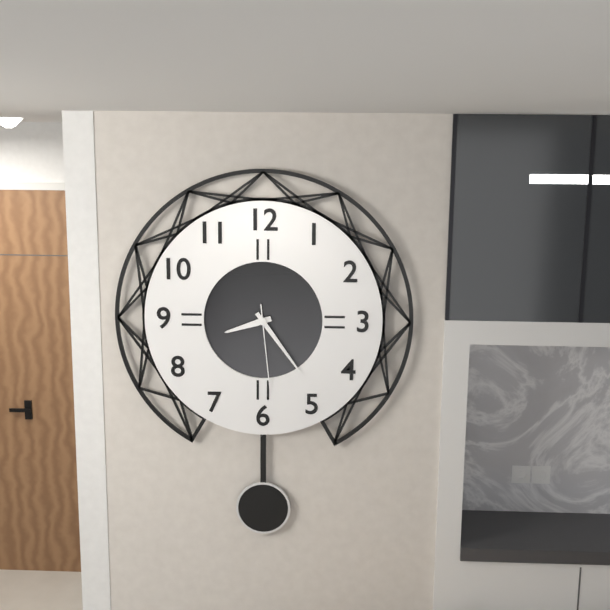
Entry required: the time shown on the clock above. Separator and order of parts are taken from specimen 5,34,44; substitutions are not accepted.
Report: 8,24,29
